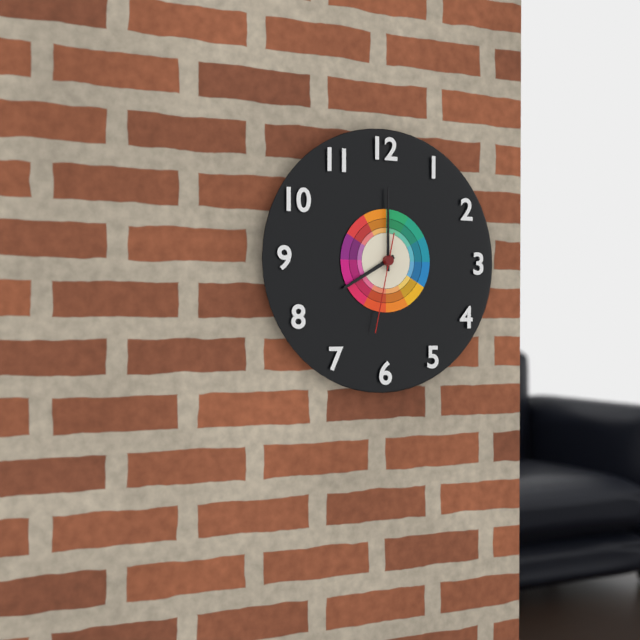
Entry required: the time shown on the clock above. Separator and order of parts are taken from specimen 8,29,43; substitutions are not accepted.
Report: 8,00,32
